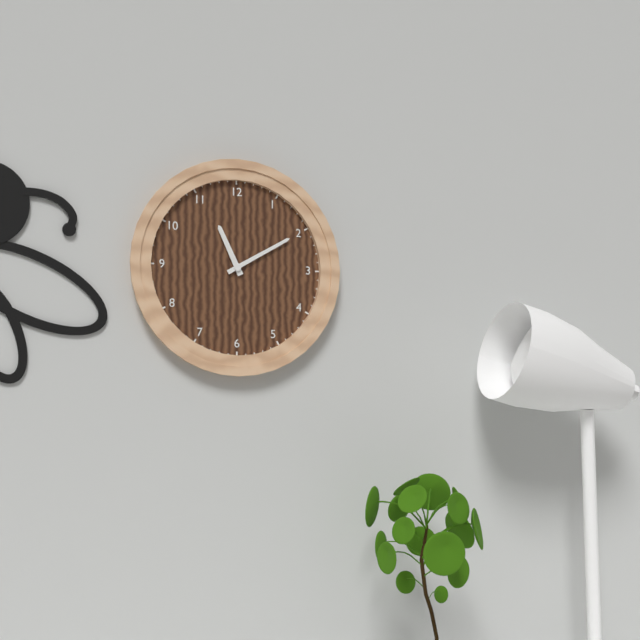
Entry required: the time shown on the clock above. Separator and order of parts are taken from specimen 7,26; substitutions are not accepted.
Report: 11,10
